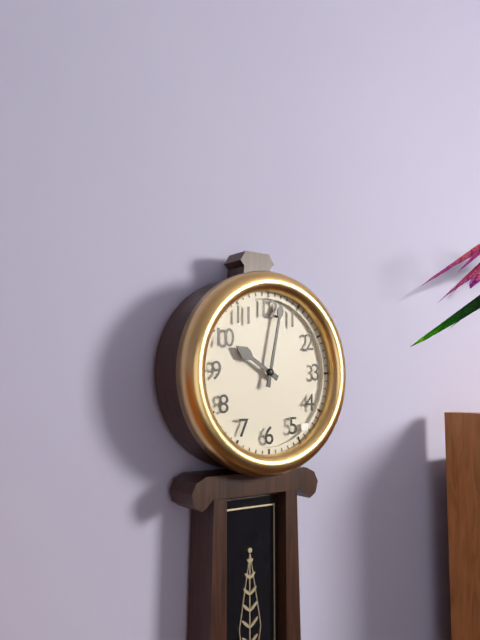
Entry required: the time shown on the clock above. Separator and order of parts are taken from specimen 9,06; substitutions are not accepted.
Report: 10,02
